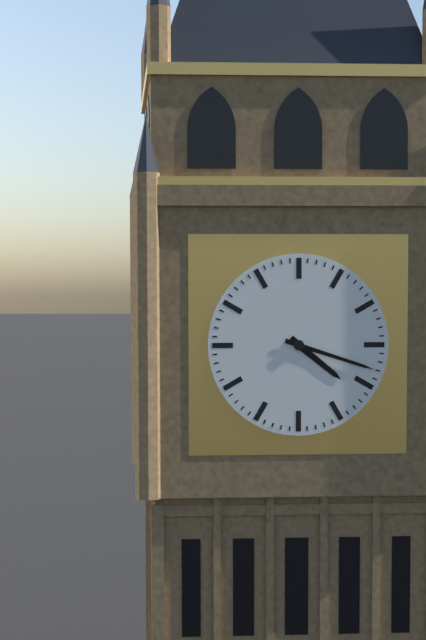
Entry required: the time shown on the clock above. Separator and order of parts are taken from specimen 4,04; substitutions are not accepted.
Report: 4,18
